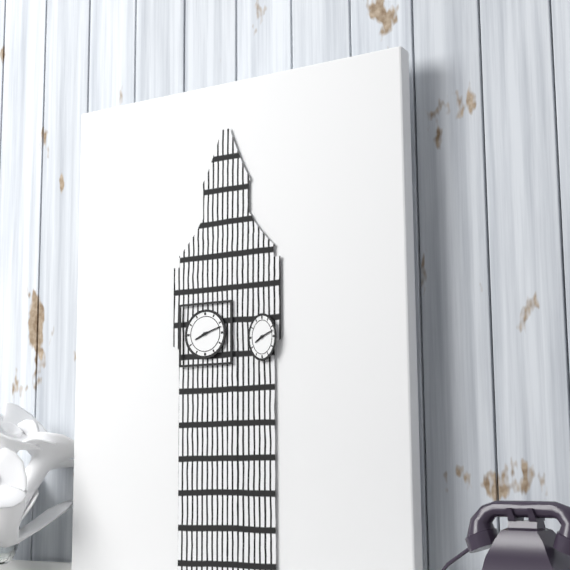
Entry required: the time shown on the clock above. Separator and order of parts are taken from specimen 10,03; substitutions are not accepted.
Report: 8,12
